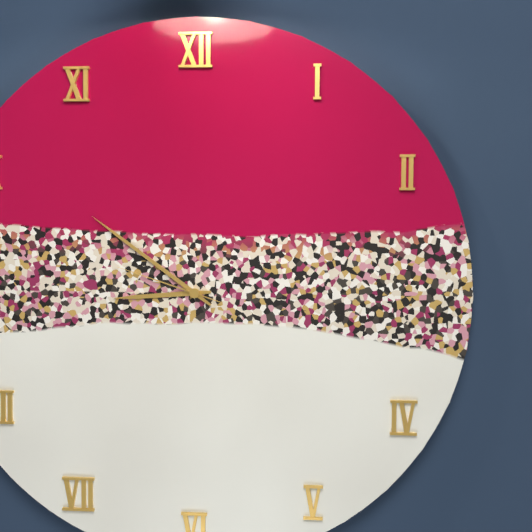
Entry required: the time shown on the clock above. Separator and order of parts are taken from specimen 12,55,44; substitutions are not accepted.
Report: 8,51,48
